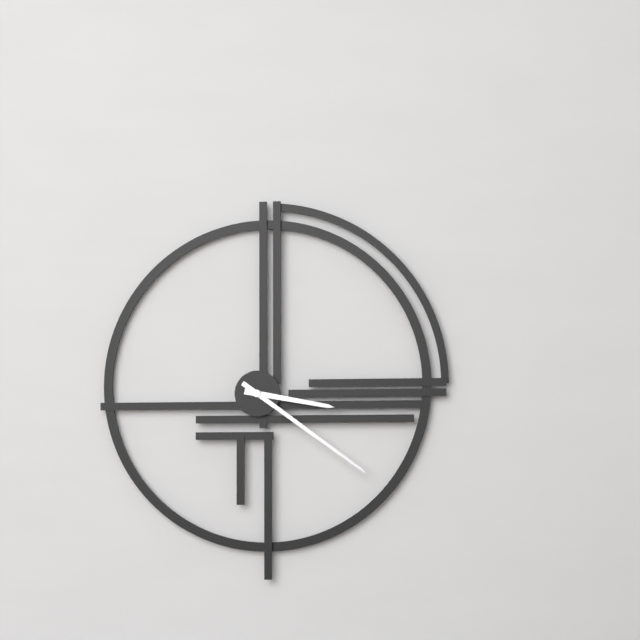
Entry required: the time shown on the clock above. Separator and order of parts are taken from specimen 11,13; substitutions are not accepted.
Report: 3,21
